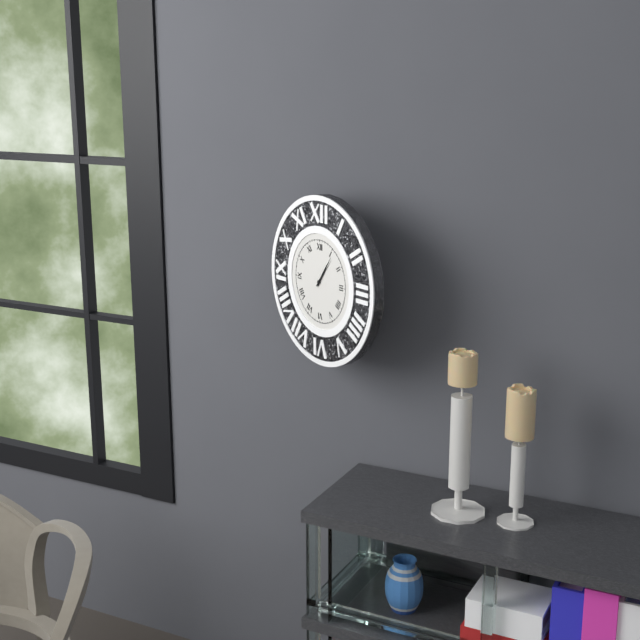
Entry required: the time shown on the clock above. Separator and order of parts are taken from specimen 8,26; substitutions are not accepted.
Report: 1,06
